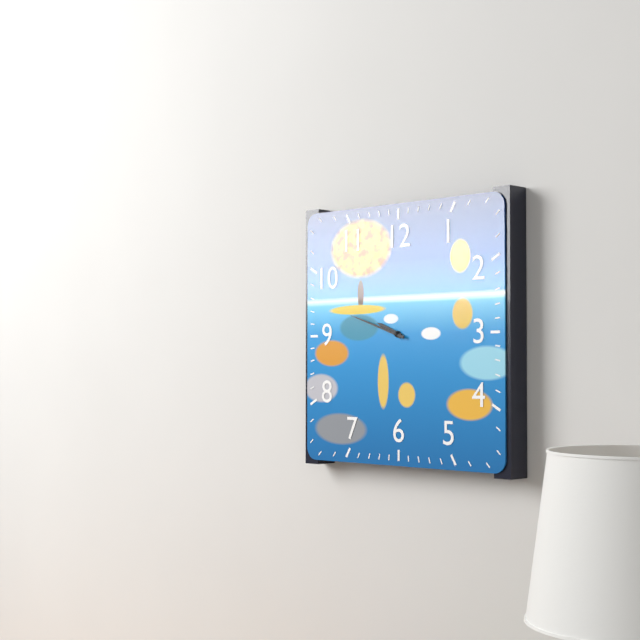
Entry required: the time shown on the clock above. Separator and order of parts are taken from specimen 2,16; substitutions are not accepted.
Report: 9,48
